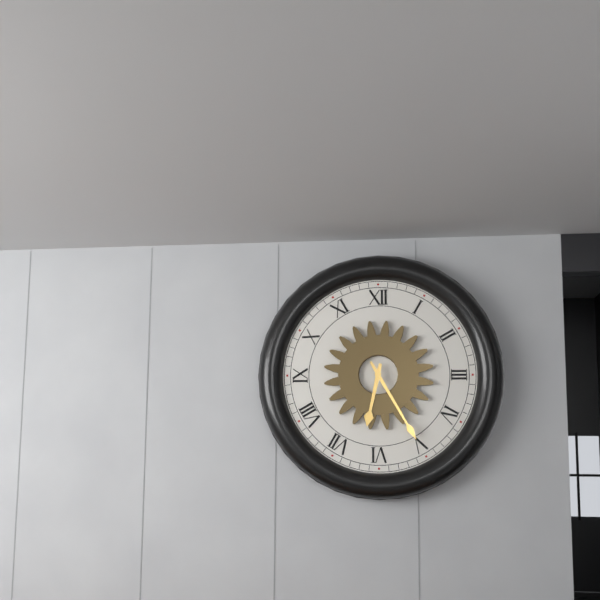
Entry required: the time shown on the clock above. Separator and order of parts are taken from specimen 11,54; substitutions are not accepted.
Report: 6,25
